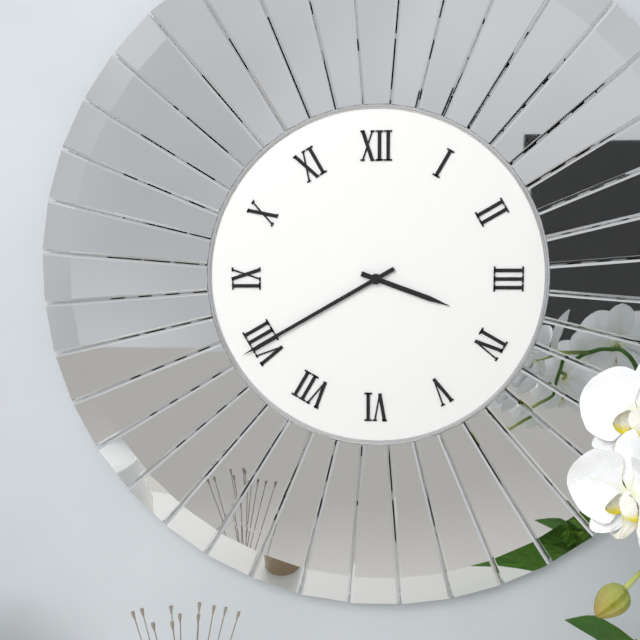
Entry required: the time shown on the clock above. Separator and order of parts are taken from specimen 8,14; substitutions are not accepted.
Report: 3,40
